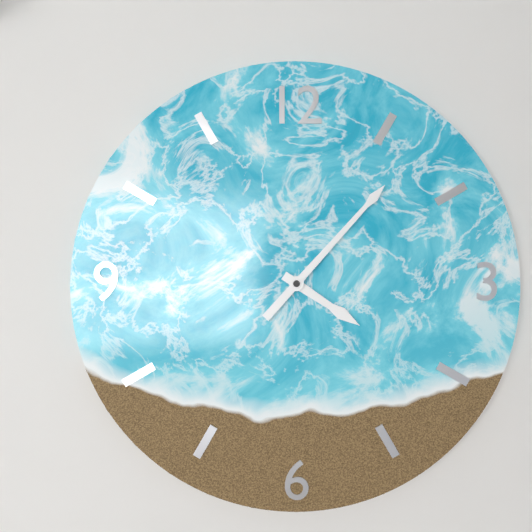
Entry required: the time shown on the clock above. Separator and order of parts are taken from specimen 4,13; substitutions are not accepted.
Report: 4,07
